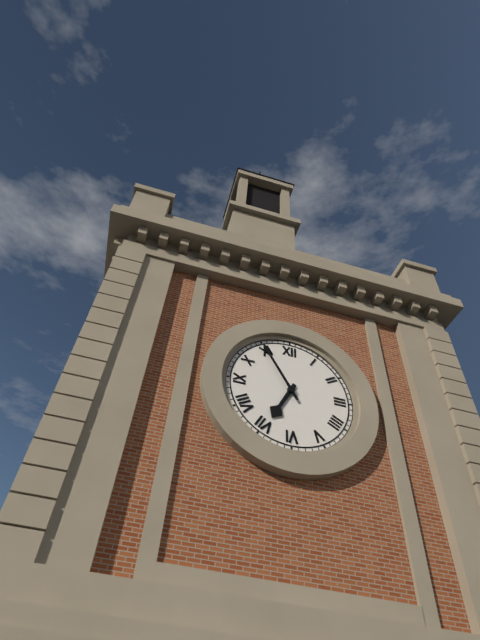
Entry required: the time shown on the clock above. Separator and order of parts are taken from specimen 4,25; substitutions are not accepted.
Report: 6,55
